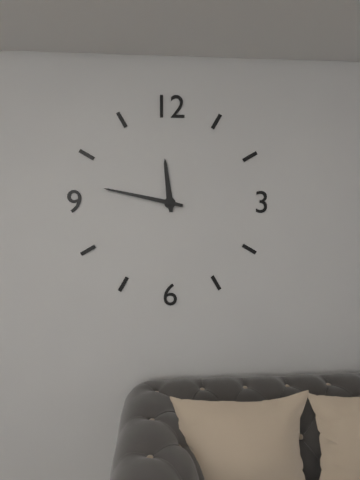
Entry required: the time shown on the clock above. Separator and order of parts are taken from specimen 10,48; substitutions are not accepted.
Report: 11,47
